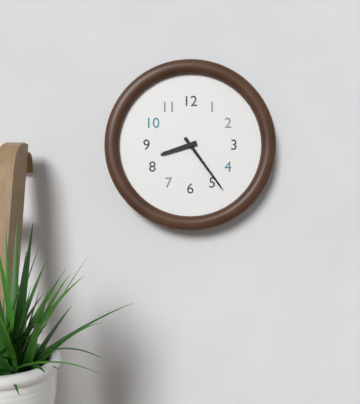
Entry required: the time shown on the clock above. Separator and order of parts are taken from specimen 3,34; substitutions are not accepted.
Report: 8,24
